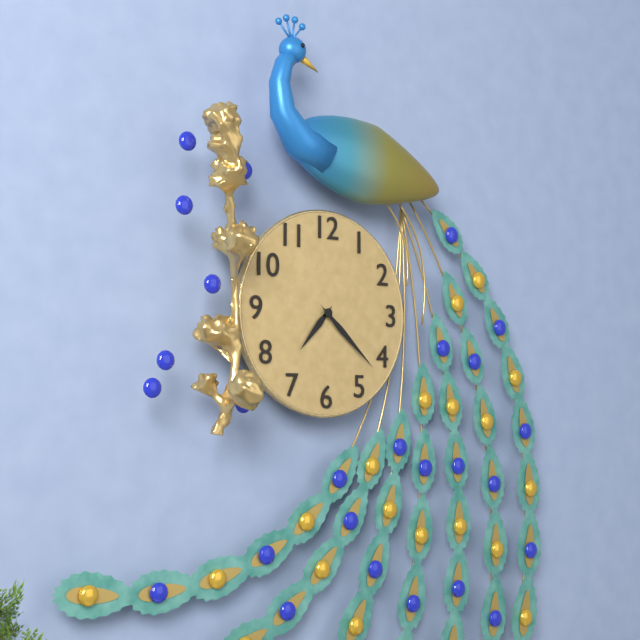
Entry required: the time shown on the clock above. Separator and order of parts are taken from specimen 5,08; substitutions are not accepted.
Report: 7,22
